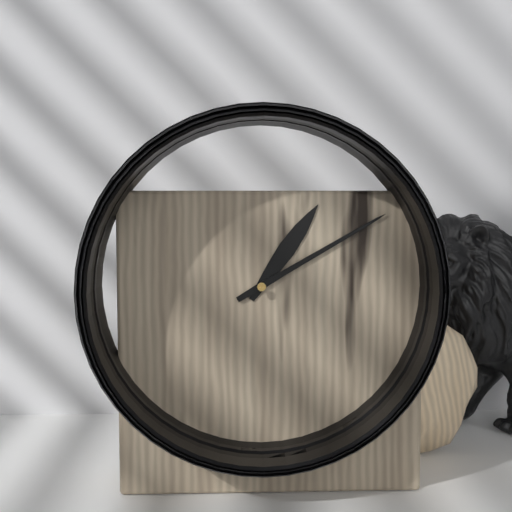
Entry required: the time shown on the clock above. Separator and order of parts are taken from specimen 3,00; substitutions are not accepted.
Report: 1,10
